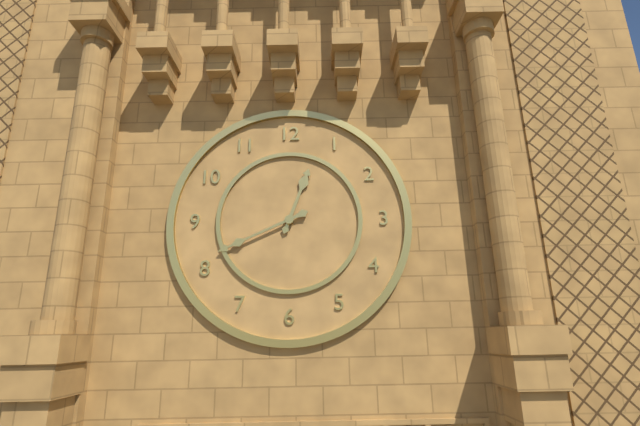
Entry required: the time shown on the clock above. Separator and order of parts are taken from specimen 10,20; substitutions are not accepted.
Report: 12,41
